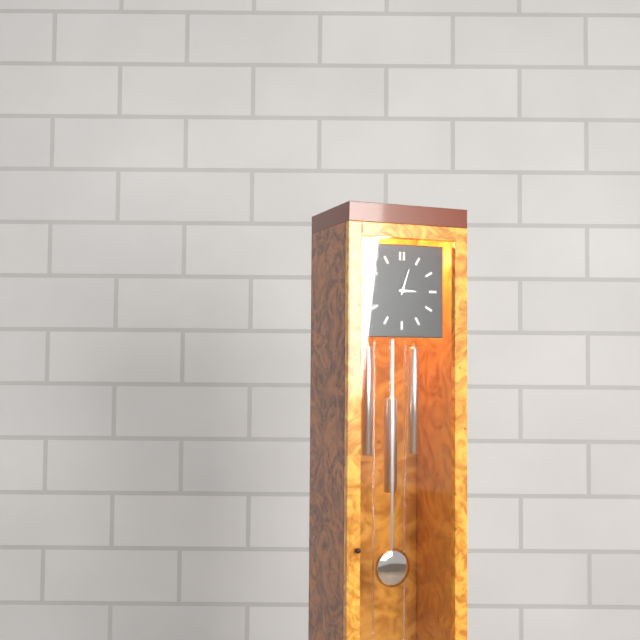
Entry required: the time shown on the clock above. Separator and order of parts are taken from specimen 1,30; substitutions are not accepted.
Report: 3,03
